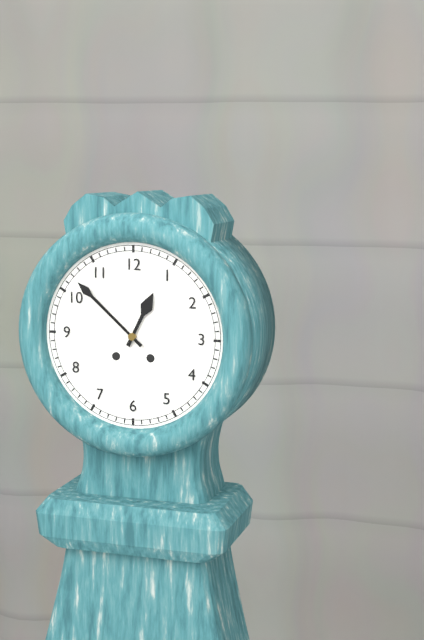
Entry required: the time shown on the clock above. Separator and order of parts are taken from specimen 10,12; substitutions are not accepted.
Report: 12,52
